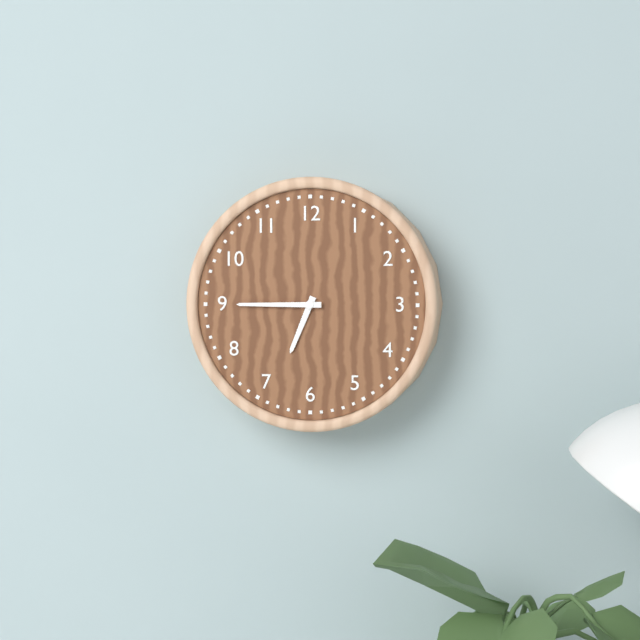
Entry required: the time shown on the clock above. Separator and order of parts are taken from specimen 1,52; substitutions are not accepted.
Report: 6,45
